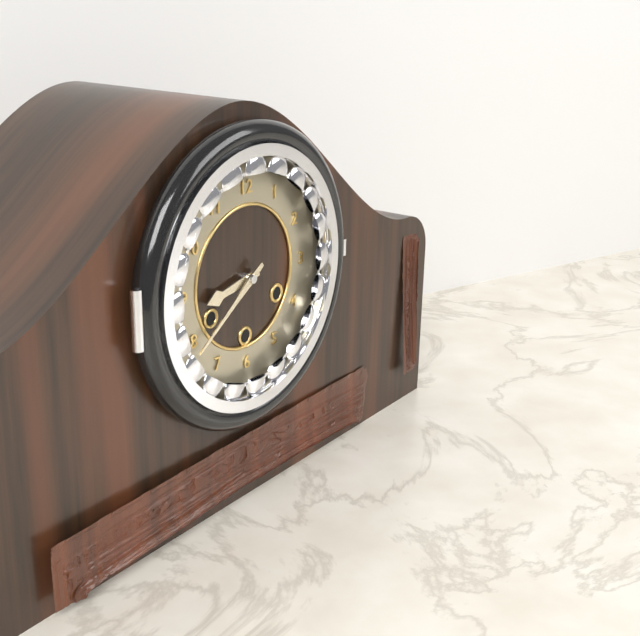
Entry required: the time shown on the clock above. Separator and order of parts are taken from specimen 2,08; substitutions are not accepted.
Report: 8,39
